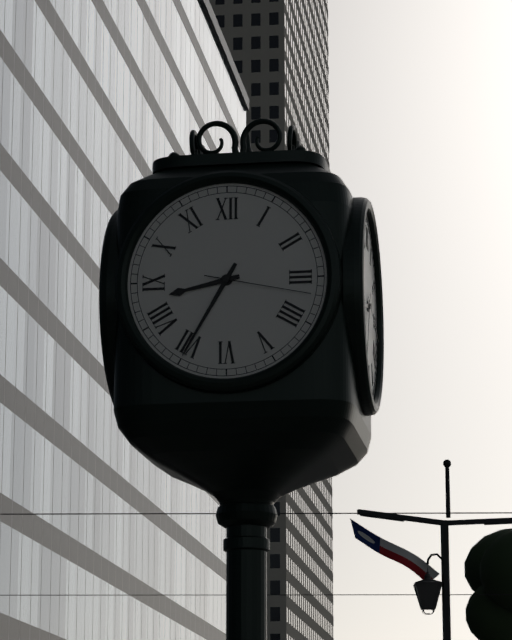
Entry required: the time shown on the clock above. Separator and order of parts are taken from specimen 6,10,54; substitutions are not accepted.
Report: 8,35,17
